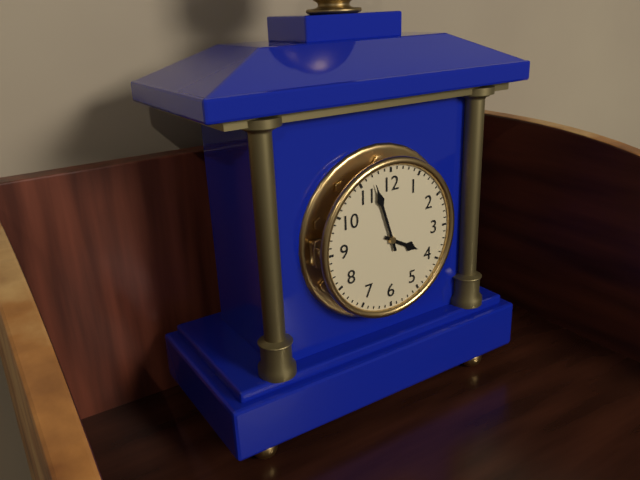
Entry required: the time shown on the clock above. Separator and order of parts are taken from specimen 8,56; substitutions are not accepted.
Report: 3,57
